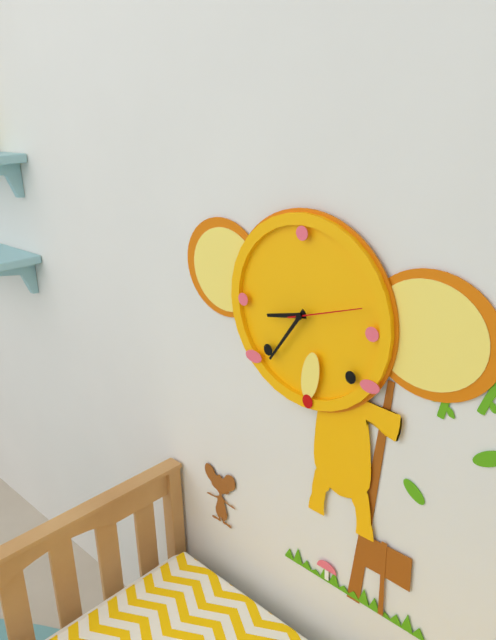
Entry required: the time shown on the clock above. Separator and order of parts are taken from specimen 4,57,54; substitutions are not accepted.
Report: 8,36,12
